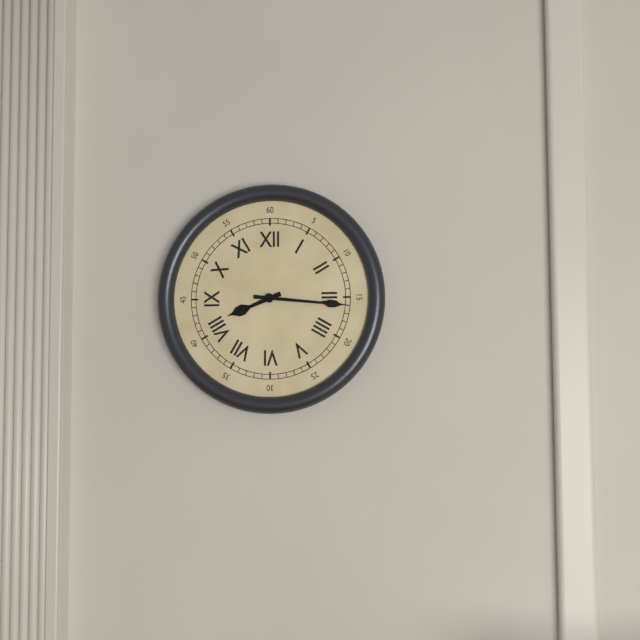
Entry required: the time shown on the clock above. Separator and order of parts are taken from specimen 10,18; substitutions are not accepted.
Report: 8,16
